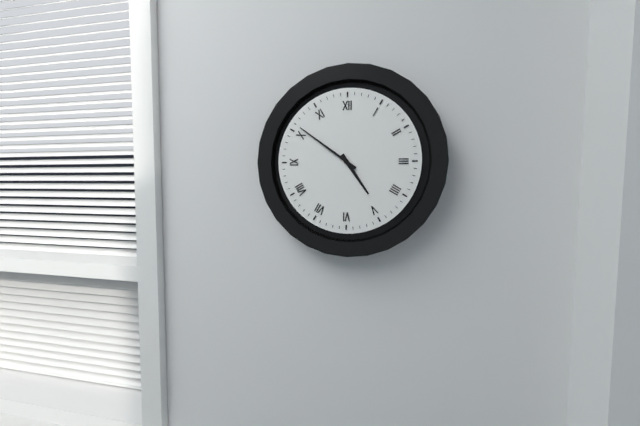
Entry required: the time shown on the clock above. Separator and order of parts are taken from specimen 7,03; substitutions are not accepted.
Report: 4,51
